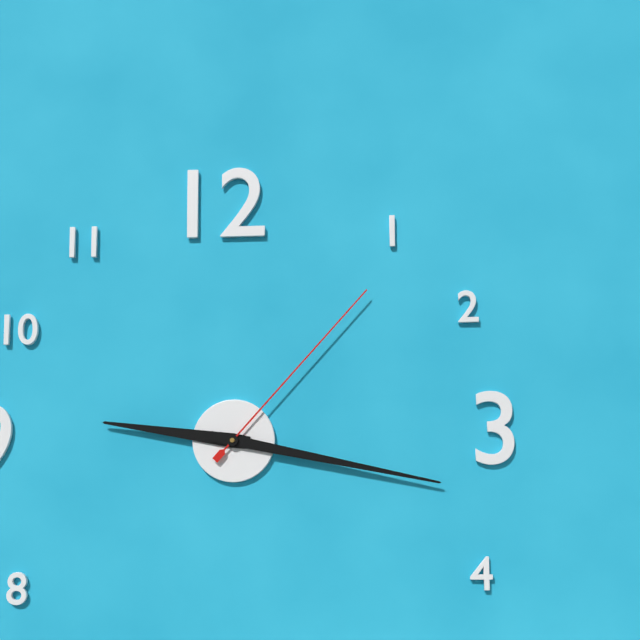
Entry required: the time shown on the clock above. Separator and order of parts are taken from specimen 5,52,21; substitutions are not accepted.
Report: 9,17,07
